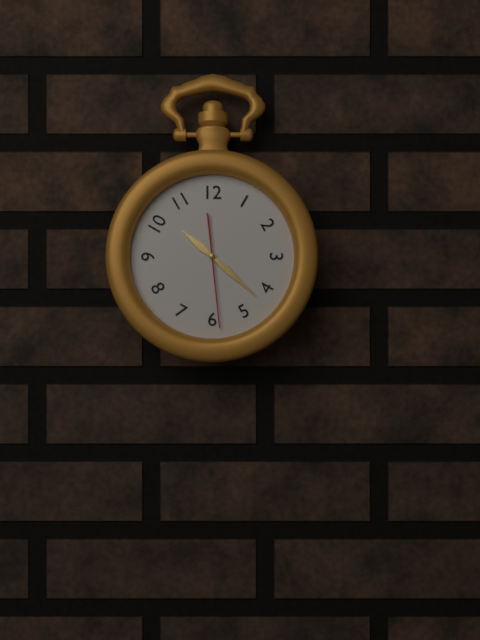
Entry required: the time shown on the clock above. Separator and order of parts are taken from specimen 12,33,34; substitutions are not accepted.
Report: 10,22,29
